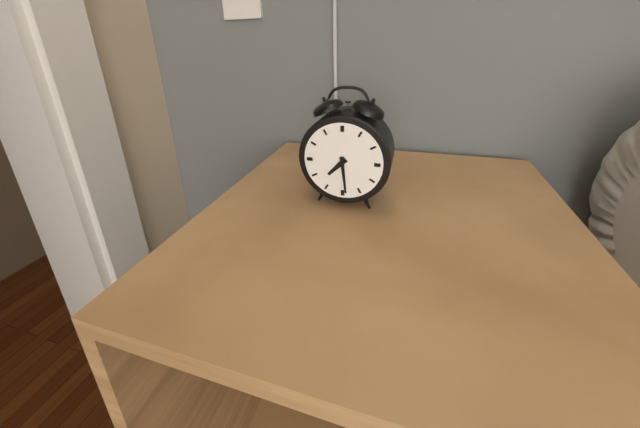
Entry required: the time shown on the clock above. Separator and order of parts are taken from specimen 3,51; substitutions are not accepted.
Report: 7,29
